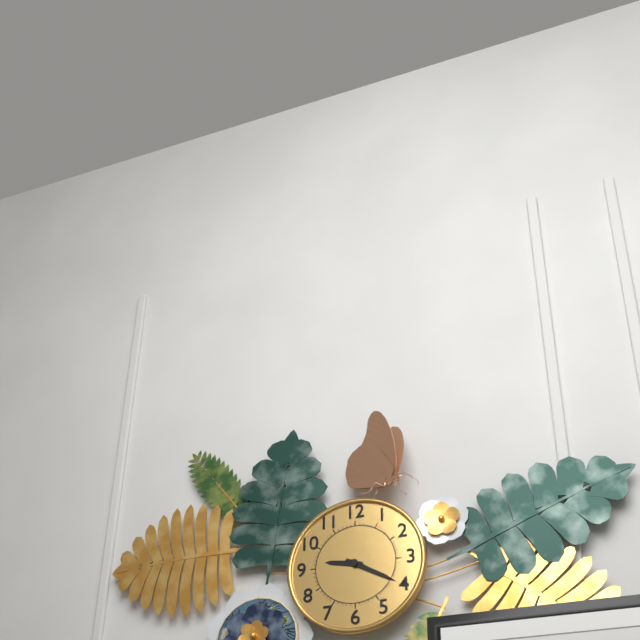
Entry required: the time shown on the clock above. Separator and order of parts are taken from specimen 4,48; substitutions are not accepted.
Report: 9,20
